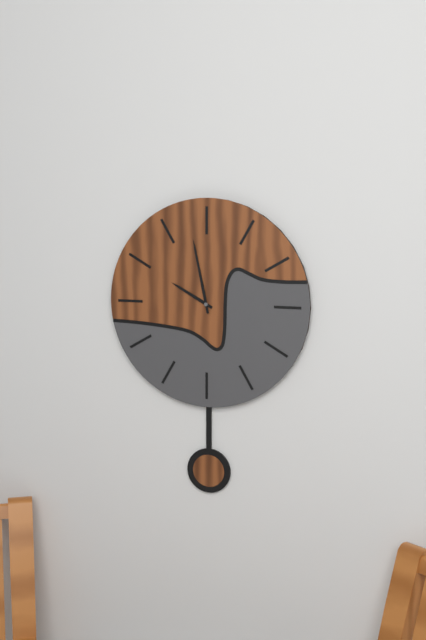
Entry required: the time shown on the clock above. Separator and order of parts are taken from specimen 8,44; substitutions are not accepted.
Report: 9,58
